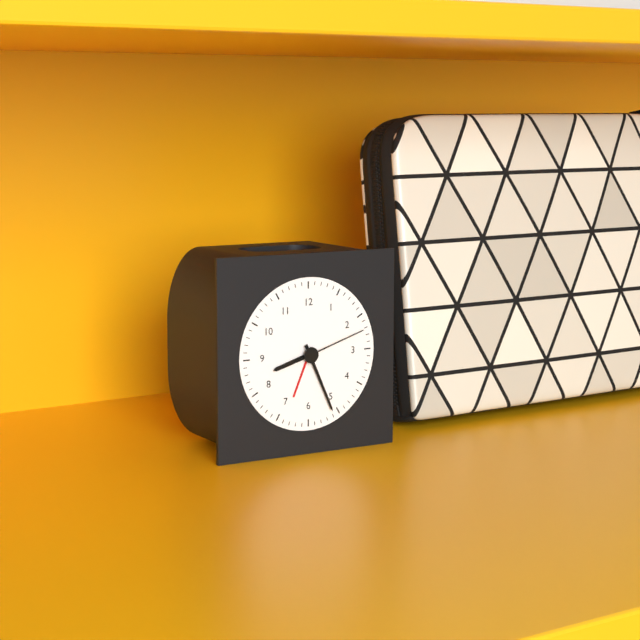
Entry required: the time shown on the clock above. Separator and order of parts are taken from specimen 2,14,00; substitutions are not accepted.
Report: 8,26,12
